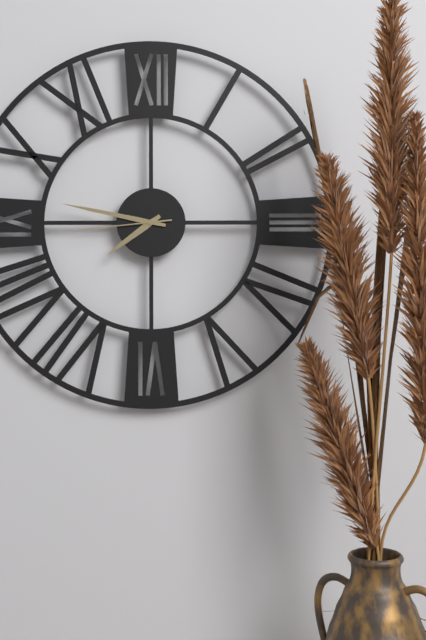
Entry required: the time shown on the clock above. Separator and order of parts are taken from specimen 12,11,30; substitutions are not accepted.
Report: 7,47,44
